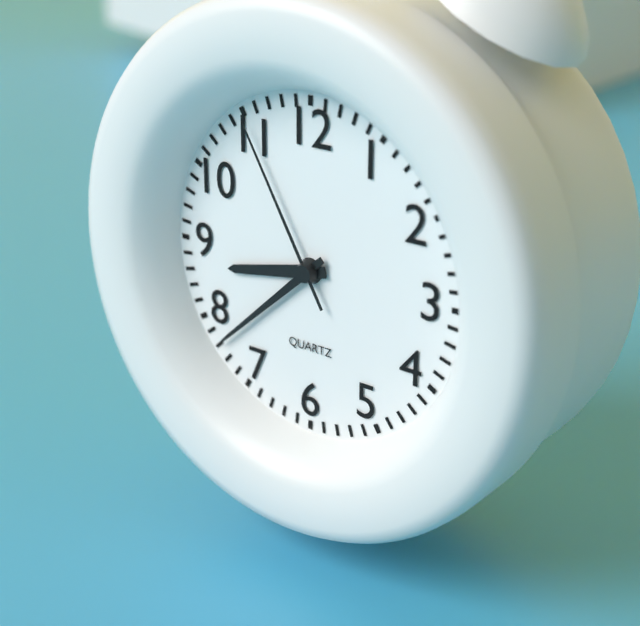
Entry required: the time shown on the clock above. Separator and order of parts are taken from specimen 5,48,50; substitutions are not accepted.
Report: 8,38,55
